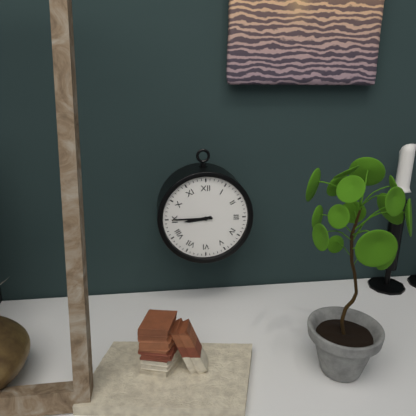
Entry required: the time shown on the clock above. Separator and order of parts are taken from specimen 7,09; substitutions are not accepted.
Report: 8,45
